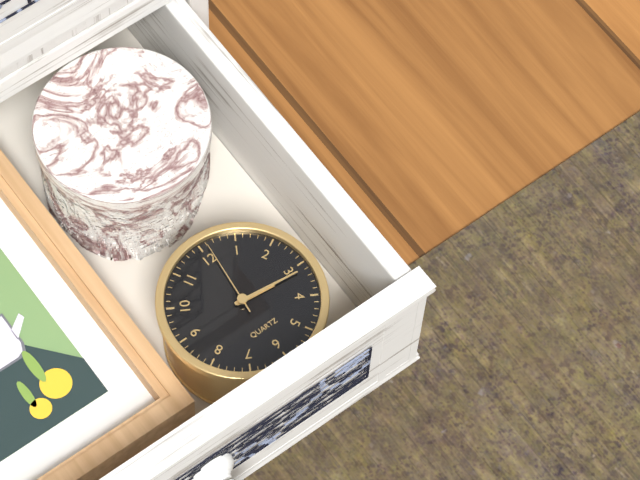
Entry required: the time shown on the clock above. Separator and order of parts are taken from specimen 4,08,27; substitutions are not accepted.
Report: 3,16,01
